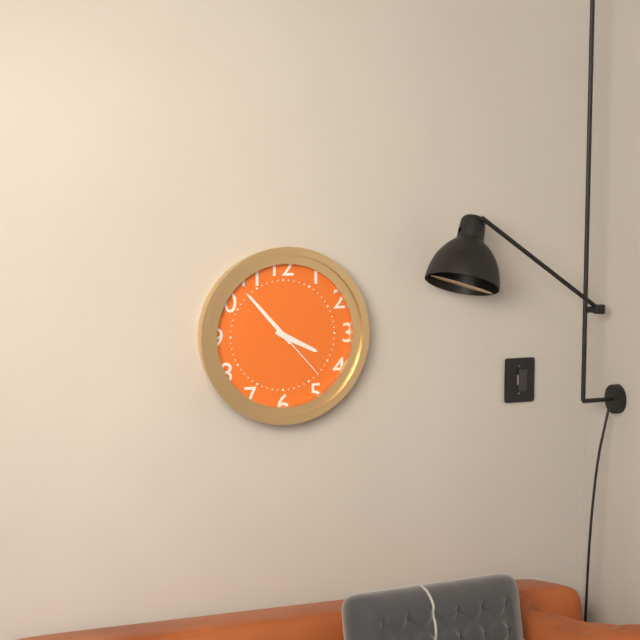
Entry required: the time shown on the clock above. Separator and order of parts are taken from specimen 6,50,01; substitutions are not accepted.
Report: 3,53,23
